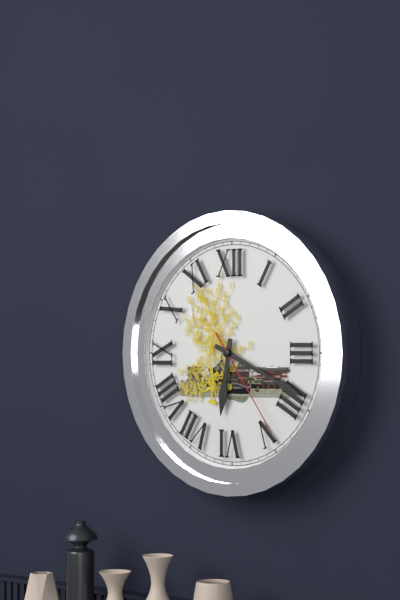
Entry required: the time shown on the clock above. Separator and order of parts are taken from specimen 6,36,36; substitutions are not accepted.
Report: 6,19,24
